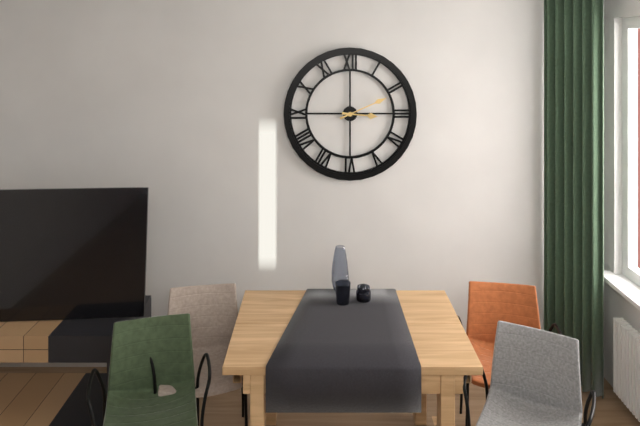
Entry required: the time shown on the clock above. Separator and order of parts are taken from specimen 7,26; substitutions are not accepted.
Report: 3,11
